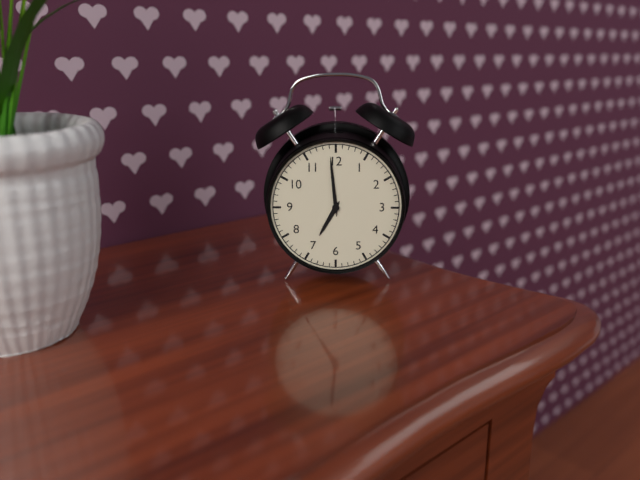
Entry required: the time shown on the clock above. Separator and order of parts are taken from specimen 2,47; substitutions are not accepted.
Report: 6,59
